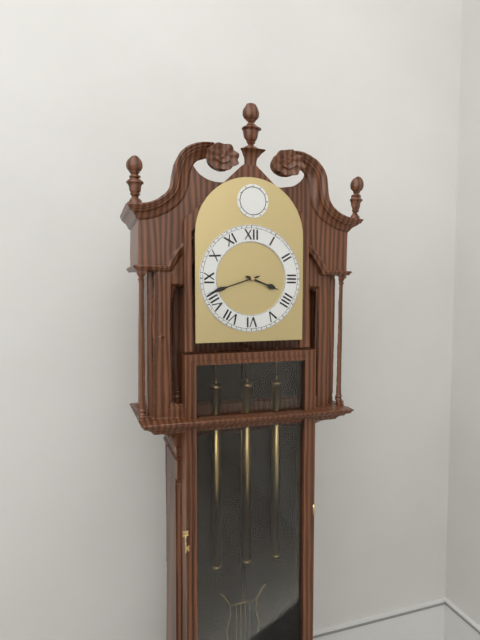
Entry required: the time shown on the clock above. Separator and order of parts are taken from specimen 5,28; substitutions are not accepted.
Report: 3,42
